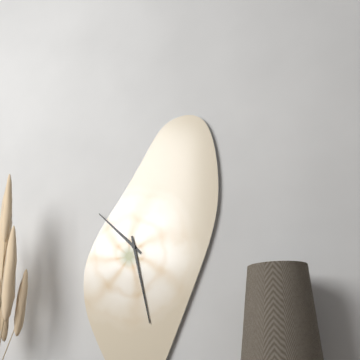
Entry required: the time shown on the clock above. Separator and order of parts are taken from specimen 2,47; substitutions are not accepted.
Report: 10,28
